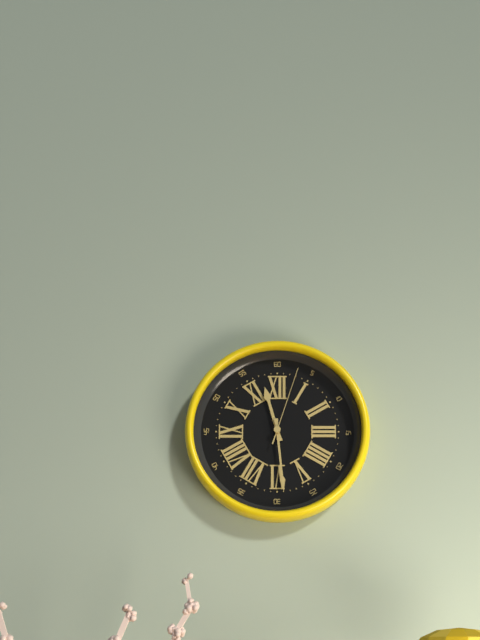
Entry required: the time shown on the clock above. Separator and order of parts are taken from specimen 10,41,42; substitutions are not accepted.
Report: 11,29,03
